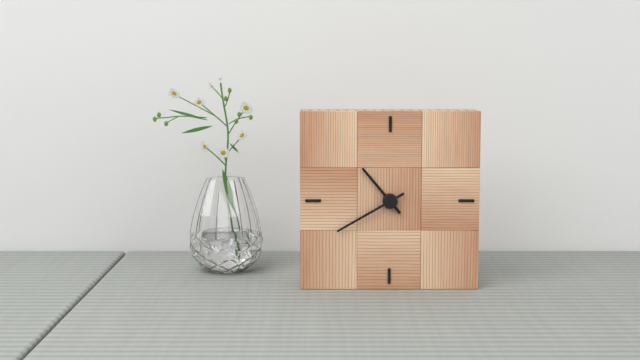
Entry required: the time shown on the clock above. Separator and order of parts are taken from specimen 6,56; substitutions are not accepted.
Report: 10,40
